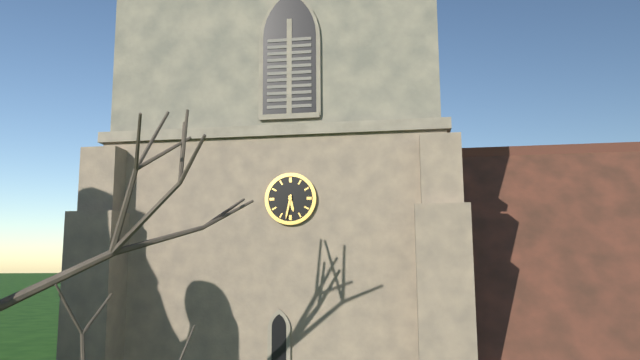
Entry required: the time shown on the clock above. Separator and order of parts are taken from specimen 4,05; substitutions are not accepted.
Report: 5,32
